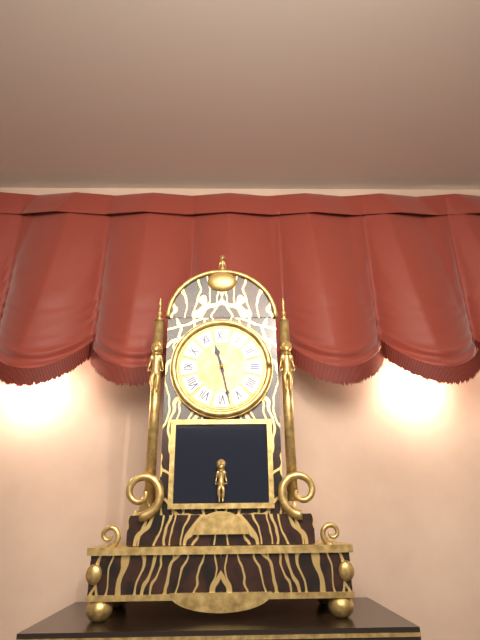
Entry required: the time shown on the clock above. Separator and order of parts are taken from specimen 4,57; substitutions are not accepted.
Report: 11,28
